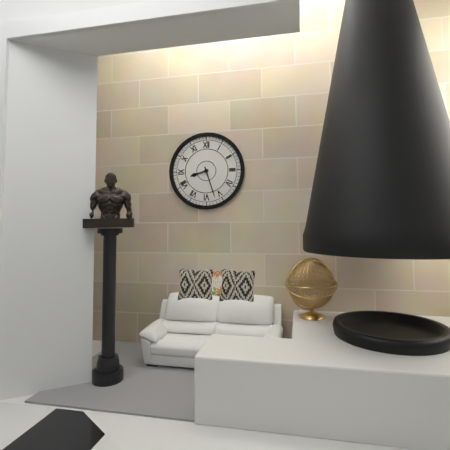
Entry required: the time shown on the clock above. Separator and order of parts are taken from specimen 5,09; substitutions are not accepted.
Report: 8,27
